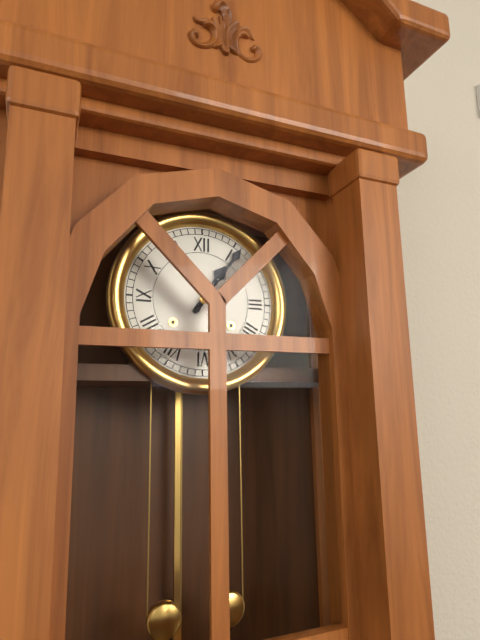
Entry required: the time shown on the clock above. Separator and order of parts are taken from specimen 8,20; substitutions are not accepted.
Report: 1,06
